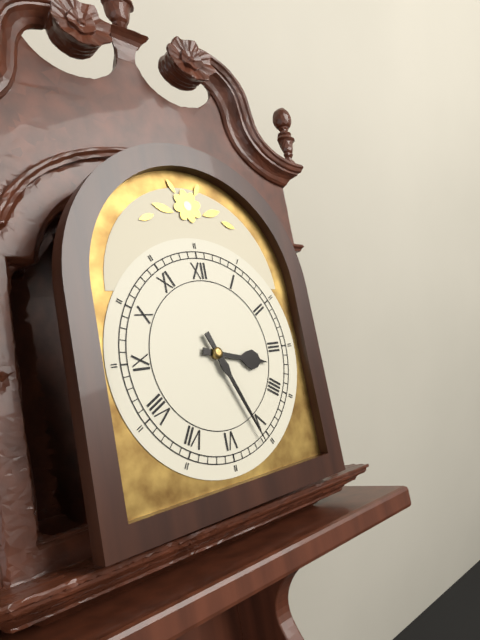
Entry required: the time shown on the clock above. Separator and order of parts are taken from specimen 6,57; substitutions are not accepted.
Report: 3,26
